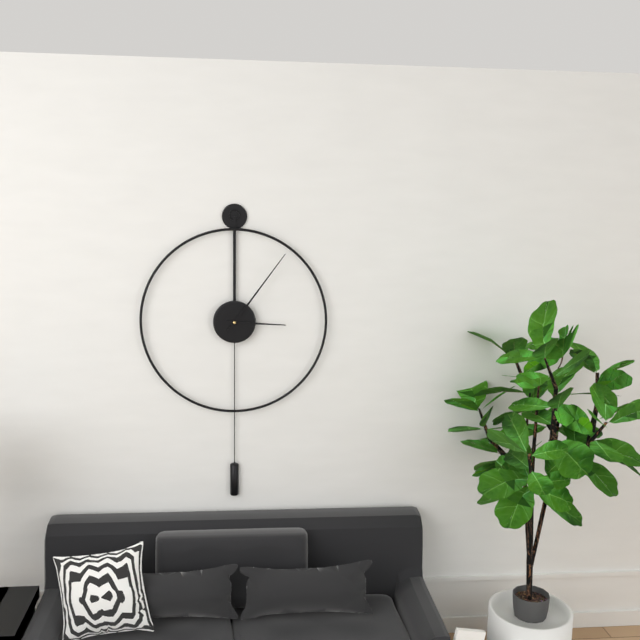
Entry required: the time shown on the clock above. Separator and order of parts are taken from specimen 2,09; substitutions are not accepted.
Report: 3,06
